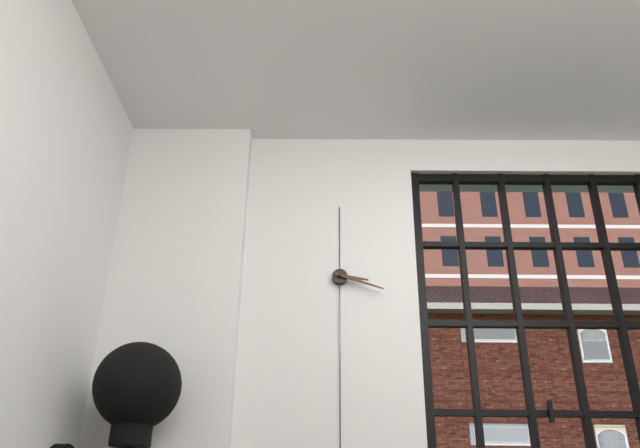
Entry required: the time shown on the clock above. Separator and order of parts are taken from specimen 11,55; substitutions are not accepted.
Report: 3,18
